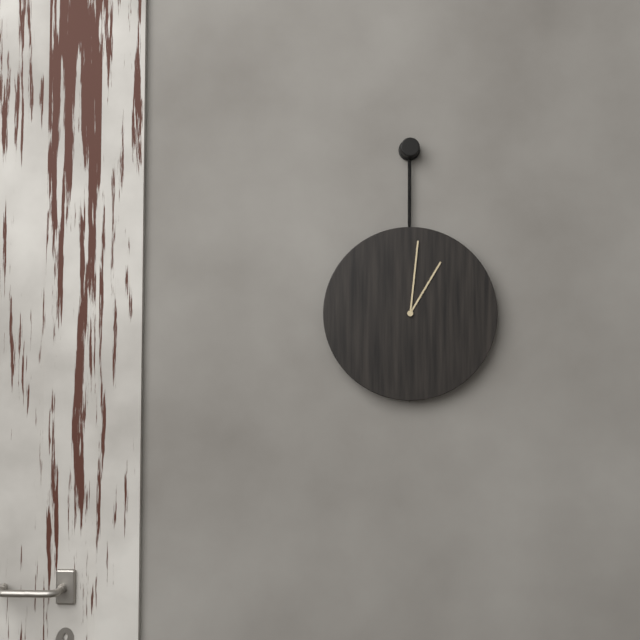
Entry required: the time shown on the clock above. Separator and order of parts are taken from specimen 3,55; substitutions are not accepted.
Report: 1,01
